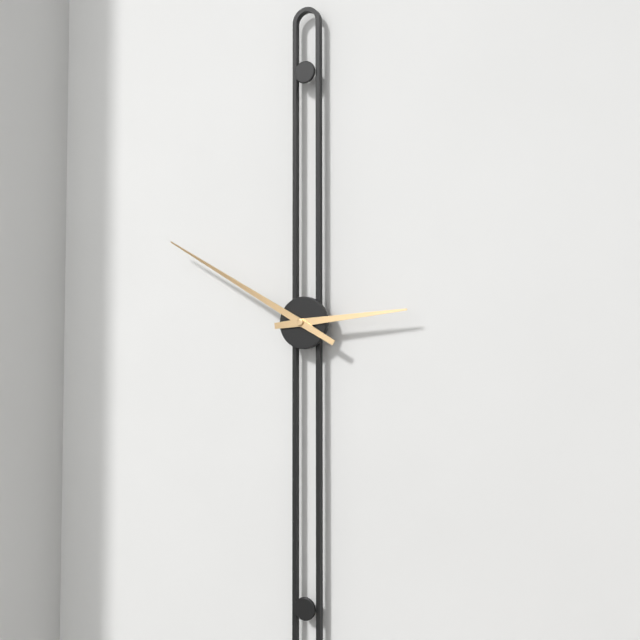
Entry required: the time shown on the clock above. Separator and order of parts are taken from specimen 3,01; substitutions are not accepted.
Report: 2,50
